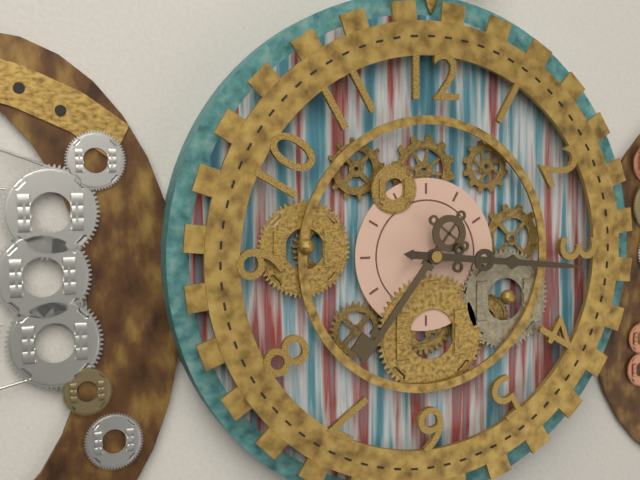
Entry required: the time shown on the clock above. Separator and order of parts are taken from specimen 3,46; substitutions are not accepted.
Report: 7,16
